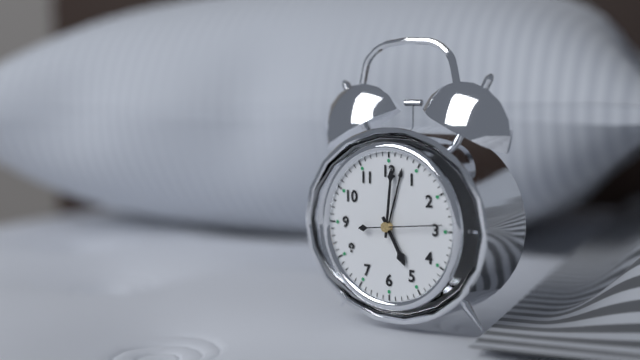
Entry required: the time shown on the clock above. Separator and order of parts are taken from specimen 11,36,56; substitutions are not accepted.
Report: 5,01,14
